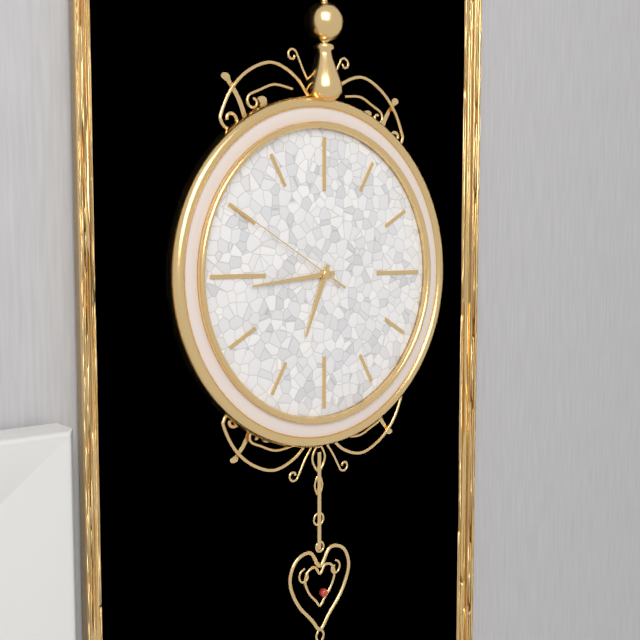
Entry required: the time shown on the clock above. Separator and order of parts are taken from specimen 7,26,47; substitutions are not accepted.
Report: 6,44,50
